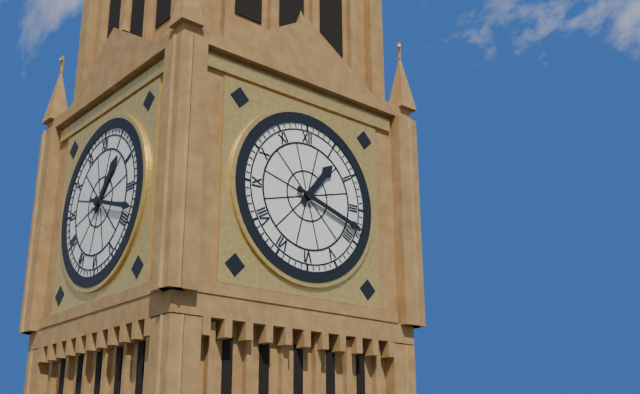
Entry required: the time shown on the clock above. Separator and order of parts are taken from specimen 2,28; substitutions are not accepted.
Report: 1,18
